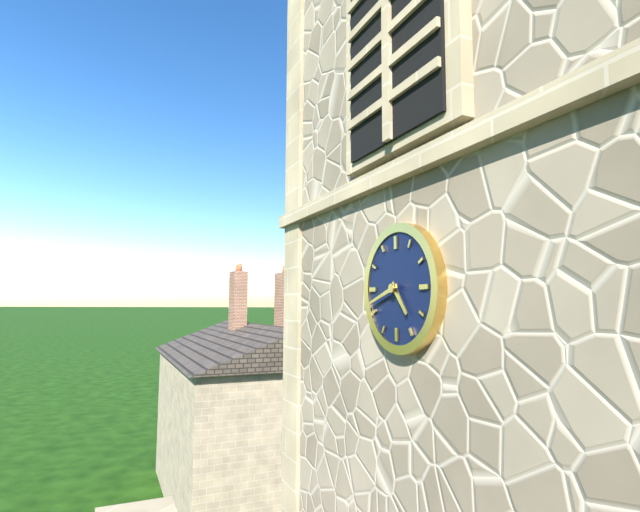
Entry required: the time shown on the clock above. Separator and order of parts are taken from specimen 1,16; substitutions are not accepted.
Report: 4,42
